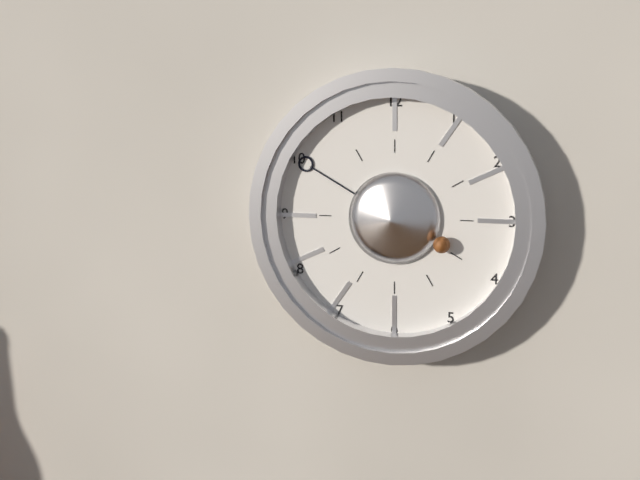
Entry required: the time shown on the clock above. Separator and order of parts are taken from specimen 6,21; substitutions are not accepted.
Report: 3,50
